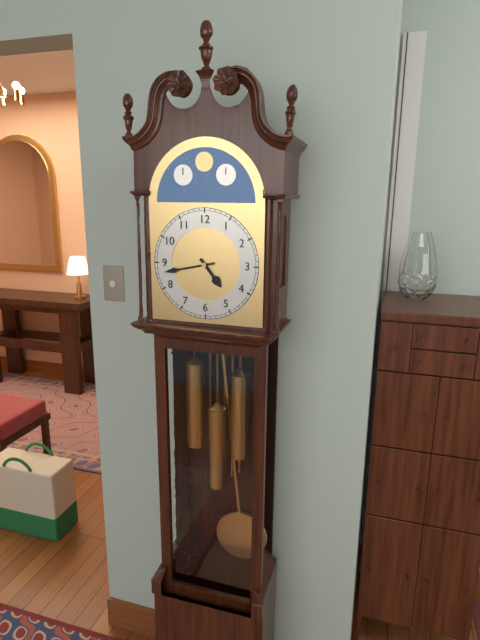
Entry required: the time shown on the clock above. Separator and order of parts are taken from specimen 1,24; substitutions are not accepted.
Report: 4,43
